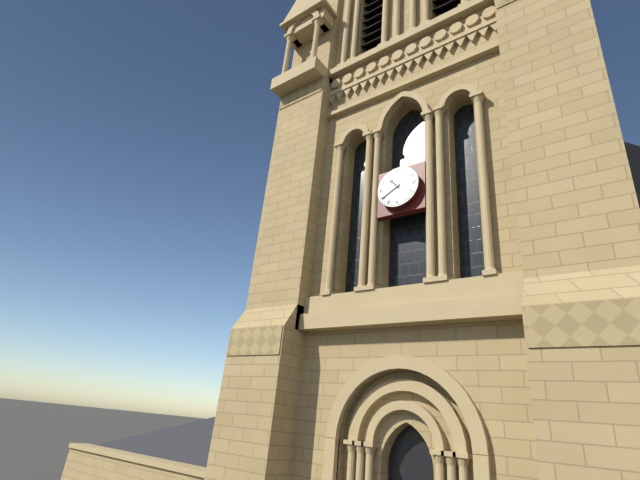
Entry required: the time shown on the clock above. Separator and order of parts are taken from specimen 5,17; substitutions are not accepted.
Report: 10,40
